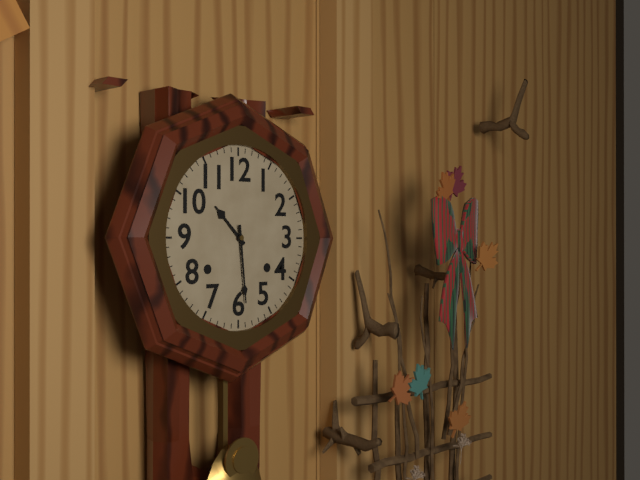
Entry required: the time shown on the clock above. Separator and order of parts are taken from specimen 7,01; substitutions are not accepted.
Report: 10,29
